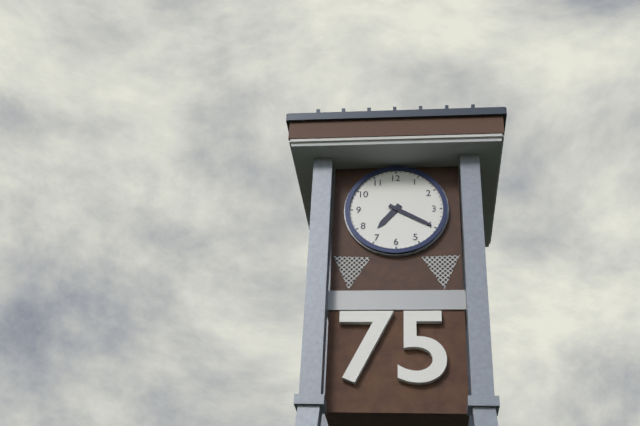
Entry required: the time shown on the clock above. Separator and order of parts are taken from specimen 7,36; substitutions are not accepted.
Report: 7,20
